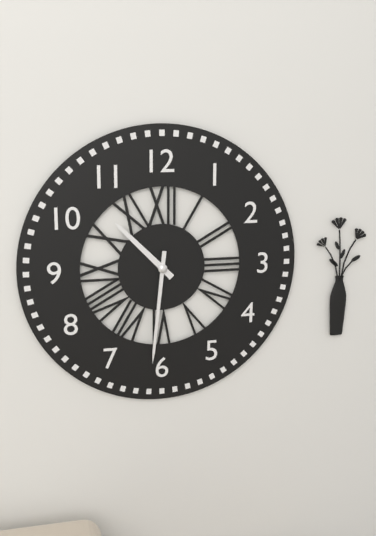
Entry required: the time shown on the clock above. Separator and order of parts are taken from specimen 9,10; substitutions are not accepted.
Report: 10,31
